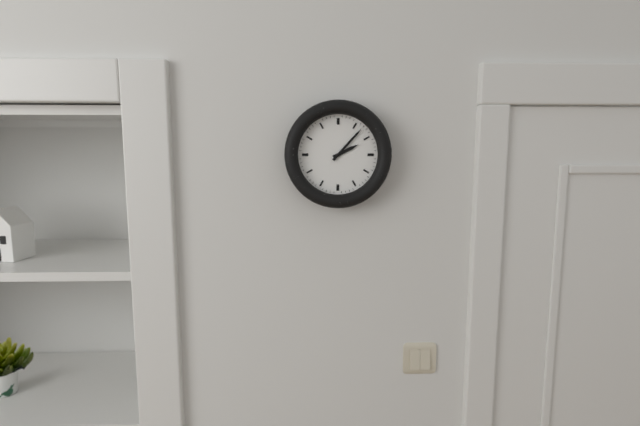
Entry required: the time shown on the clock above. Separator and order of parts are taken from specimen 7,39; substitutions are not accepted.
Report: 2,07
